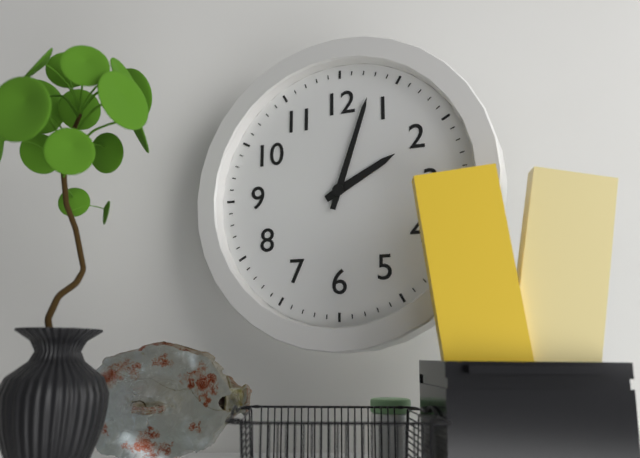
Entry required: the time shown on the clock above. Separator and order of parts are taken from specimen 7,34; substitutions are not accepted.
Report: 2,03
